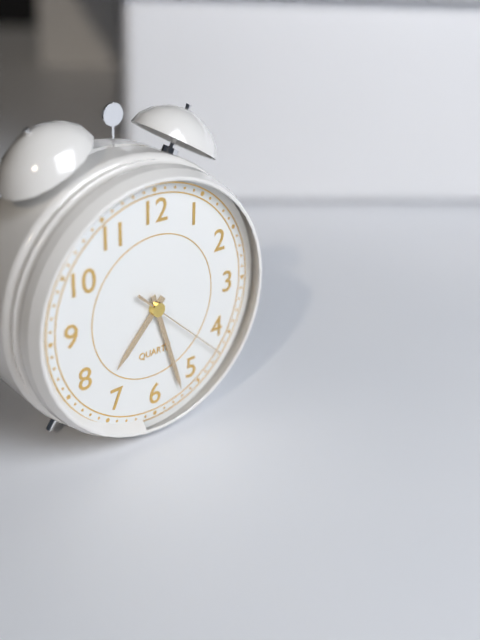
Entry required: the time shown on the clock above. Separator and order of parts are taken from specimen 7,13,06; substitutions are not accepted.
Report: 7,27,22
